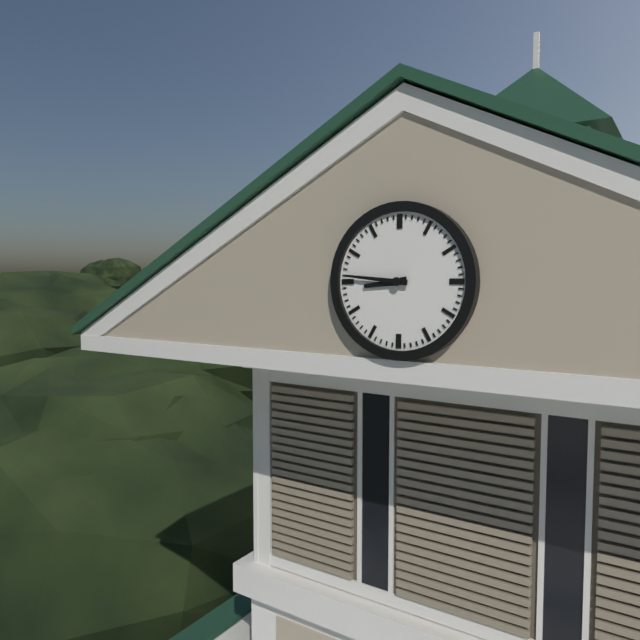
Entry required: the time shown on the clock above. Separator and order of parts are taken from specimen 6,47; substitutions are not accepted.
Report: 8,46
